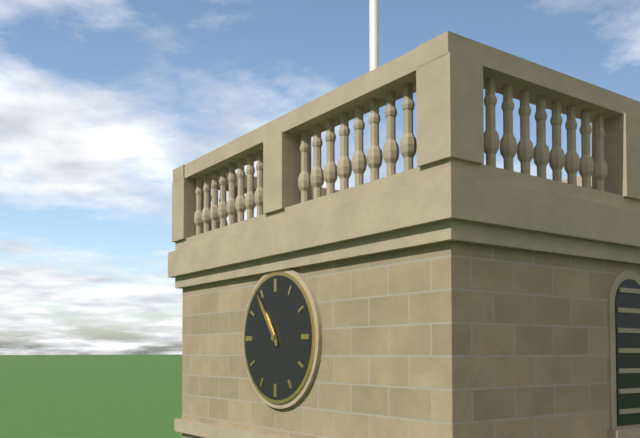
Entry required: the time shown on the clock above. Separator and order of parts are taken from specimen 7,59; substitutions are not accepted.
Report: 10,54
